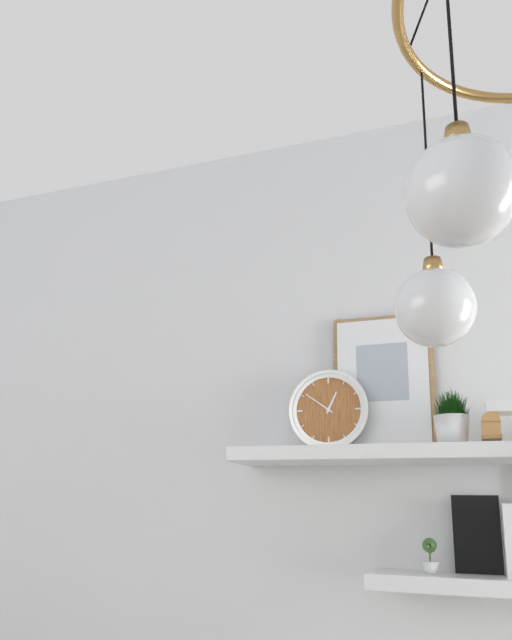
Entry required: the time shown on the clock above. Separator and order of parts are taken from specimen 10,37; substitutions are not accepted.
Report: 12,51
